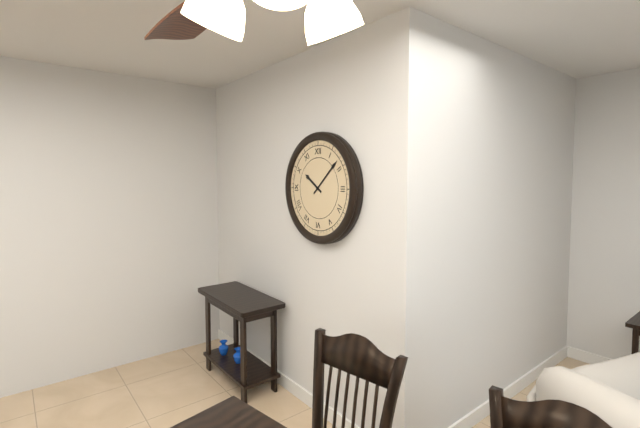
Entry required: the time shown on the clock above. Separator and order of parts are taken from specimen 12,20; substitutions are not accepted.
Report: 10,08
